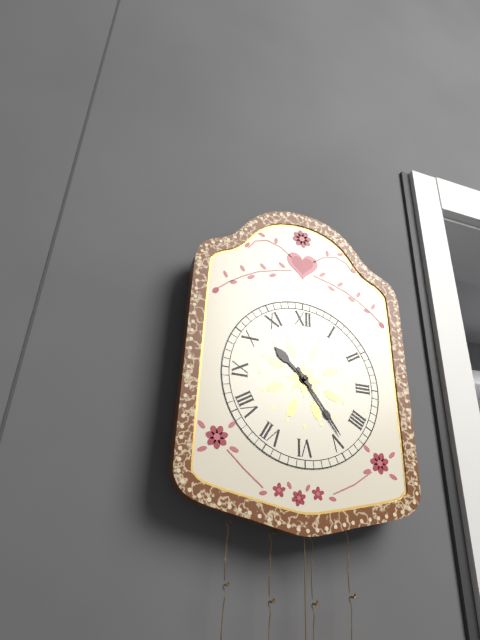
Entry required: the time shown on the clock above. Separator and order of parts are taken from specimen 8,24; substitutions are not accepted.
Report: 10,24
